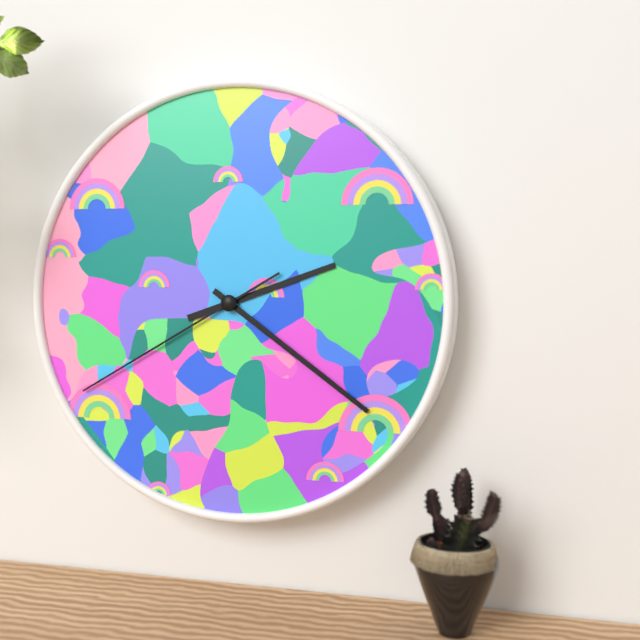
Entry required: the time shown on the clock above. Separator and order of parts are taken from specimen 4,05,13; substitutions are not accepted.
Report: 2,21,40
